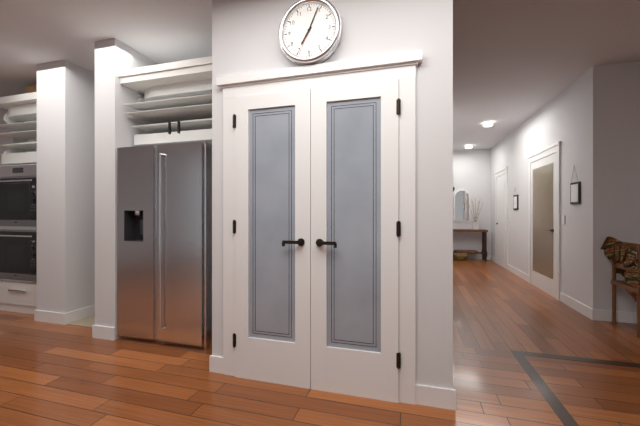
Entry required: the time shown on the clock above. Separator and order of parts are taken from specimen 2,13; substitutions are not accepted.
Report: 7,04
